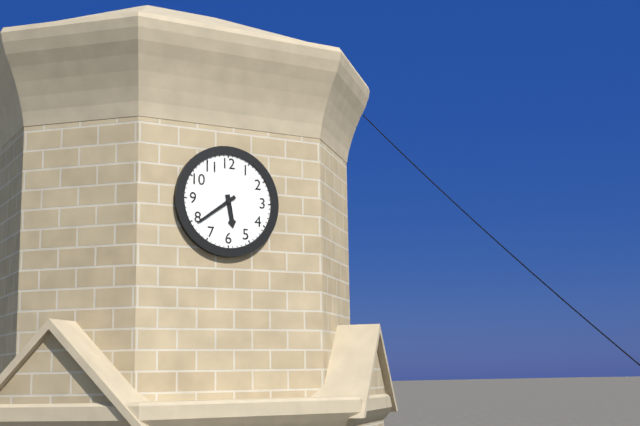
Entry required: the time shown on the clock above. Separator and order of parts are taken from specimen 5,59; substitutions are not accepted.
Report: 5,39
